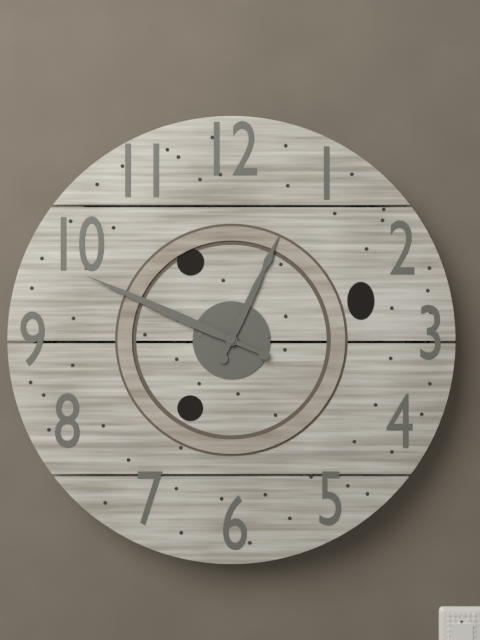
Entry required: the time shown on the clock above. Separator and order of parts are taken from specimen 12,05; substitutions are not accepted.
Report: 12,49
